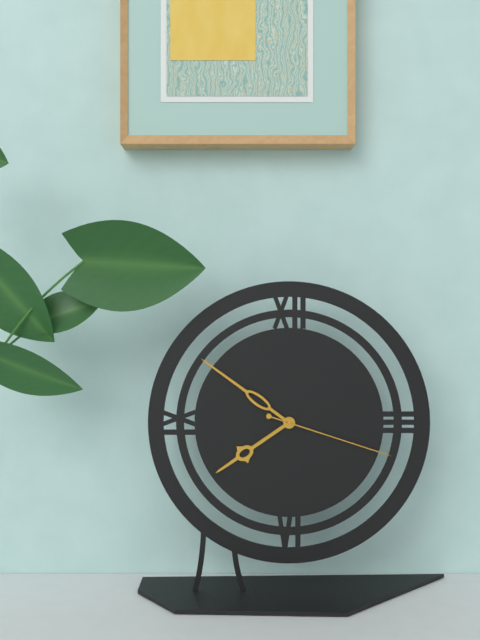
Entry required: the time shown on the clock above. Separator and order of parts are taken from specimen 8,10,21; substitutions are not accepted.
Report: 7,51,18
